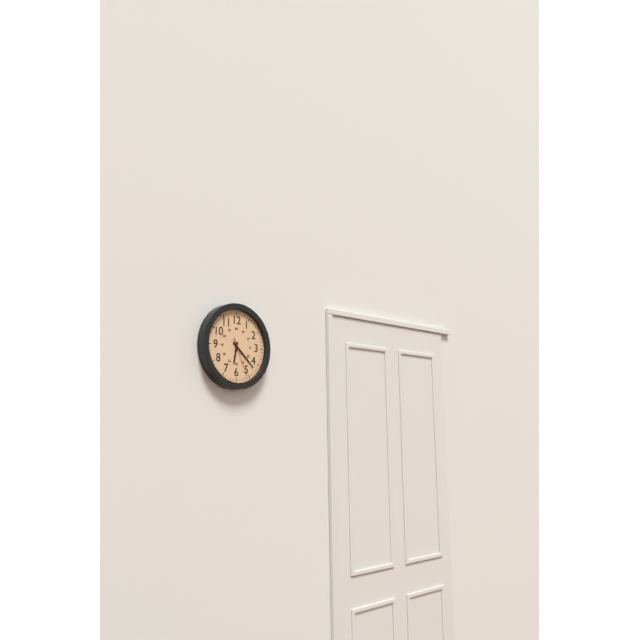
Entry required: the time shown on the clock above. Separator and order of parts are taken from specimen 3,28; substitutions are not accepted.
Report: 6,22
